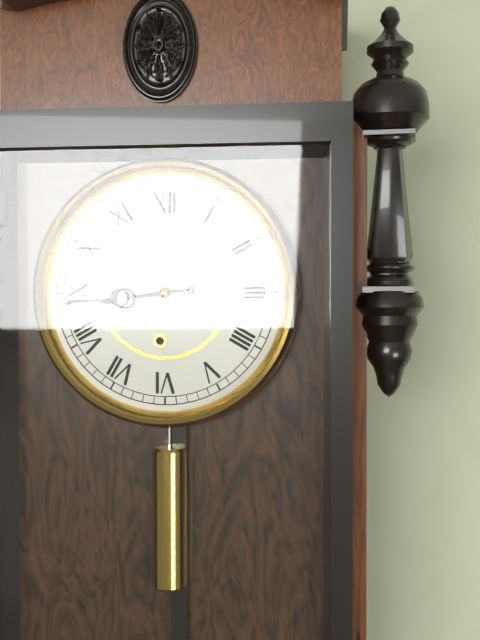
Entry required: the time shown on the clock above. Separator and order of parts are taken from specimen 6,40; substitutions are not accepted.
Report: 8,44
